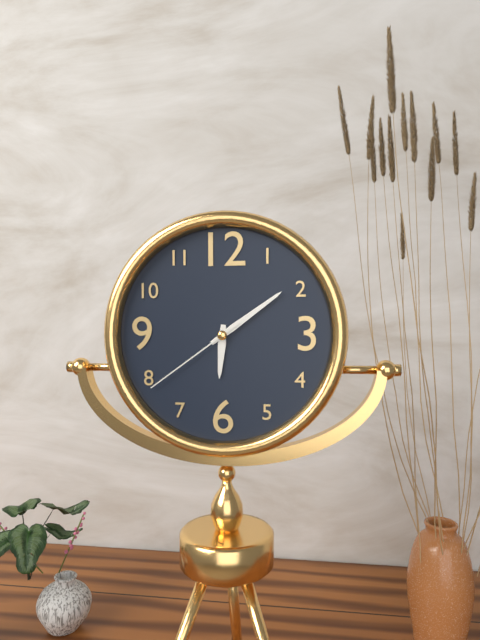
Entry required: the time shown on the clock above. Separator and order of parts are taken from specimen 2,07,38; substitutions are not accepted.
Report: 6,09,39
